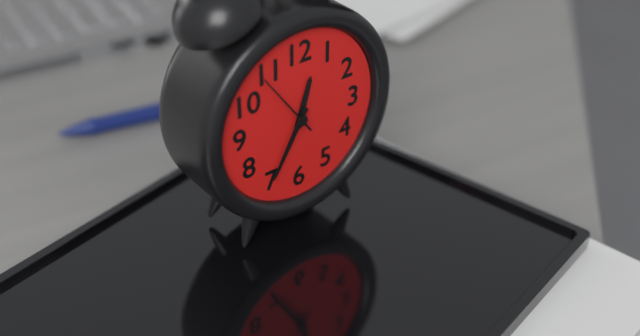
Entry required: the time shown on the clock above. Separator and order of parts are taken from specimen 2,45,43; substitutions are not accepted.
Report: 12,35,54
